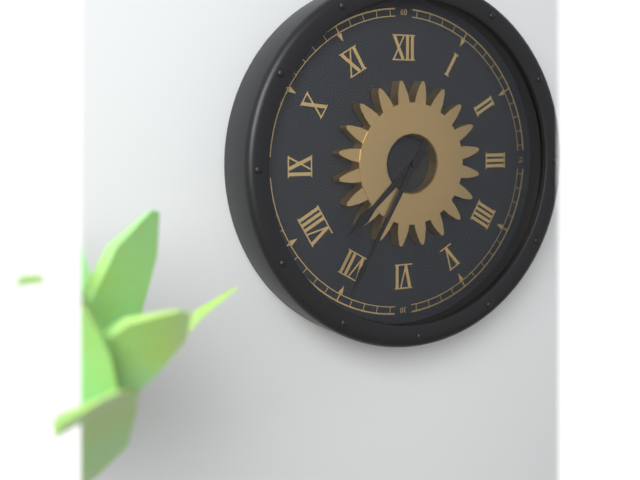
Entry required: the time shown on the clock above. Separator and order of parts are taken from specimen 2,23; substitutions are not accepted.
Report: 7,35
